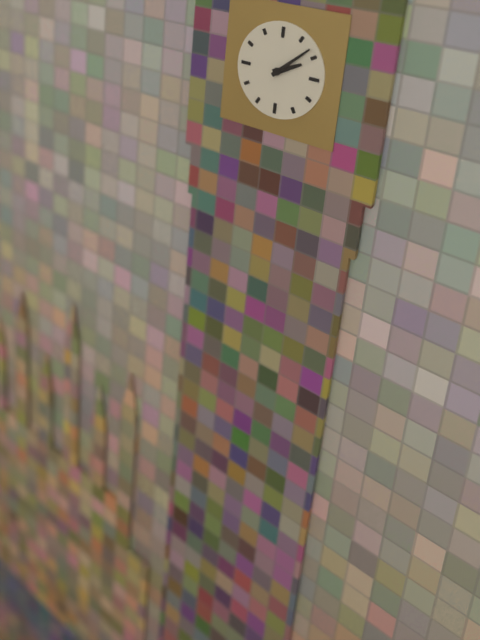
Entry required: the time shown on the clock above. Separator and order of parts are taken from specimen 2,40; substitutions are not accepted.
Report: 2,08
